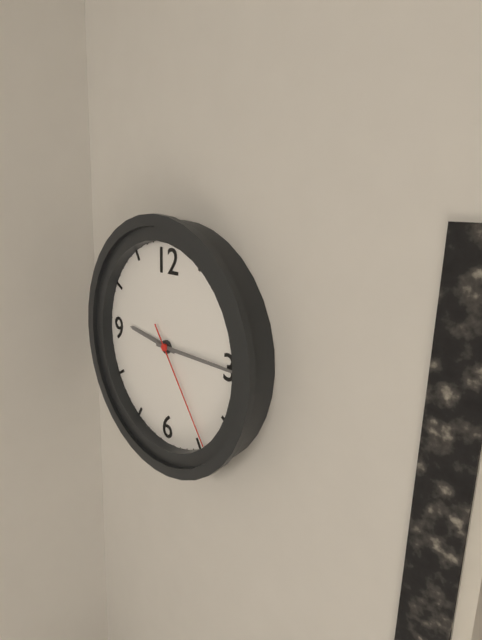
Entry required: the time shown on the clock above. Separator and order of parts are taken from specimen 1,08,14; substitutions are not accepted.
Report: 9,15,24
